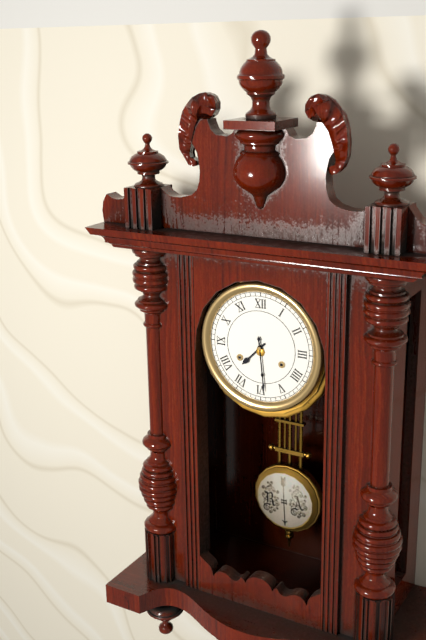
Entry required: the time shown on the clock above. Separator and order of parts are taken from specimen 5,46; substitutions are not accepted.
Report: 7,29
